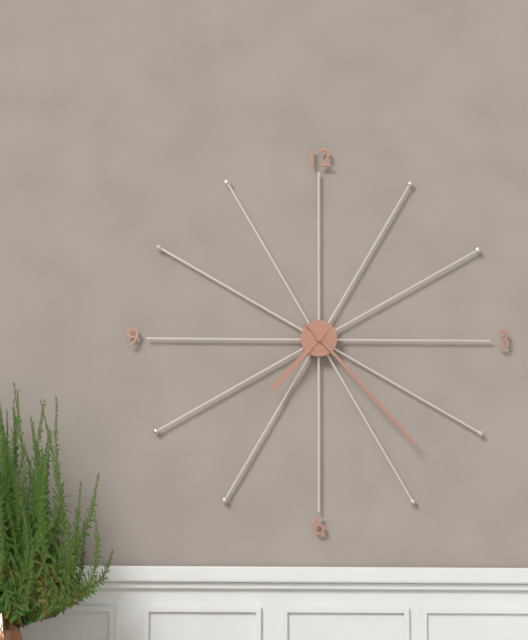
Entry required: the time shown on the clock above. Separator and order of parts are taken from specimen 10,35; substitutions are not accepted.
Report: 7,23
